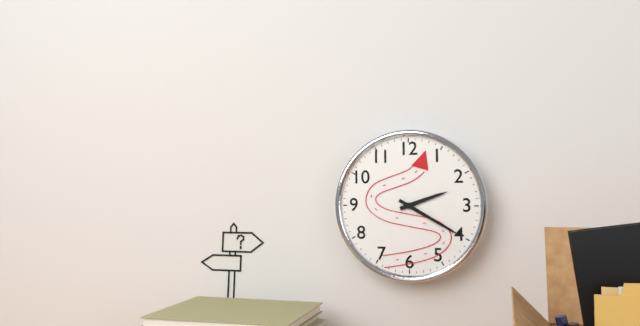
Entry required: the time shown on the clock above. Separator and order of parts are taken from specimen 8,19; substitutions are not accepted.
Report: 2,20
